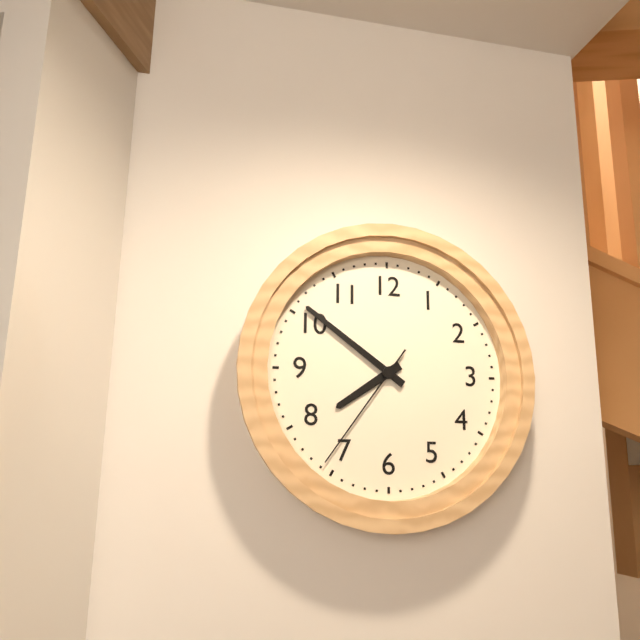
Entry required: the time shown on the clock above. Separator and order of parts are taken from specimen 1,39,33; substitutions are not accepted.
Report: 7,51,36
